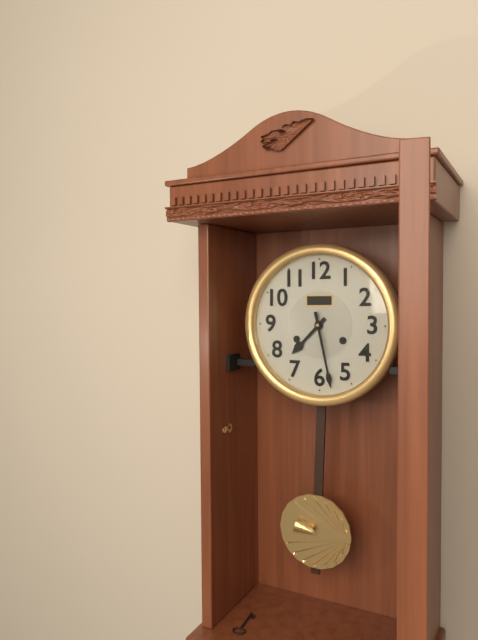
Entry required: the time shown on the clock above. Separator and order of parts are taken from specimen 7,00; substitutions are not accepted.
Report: 7,28
